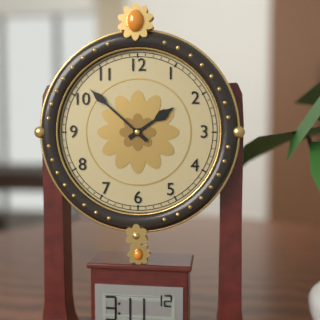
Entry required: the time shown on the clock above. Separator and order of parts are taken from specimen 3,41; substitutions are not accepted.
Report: 1,52
